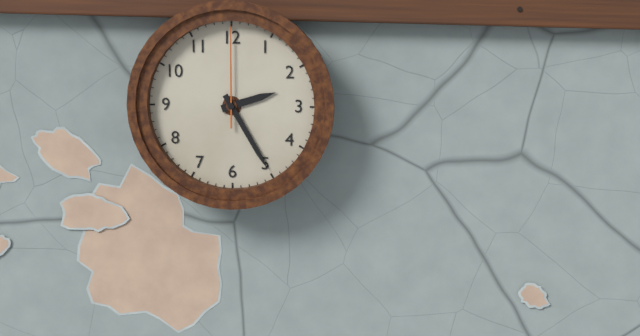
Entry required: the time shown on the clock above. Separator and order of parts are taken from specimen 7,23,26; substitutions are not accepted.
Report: 2,25,00
